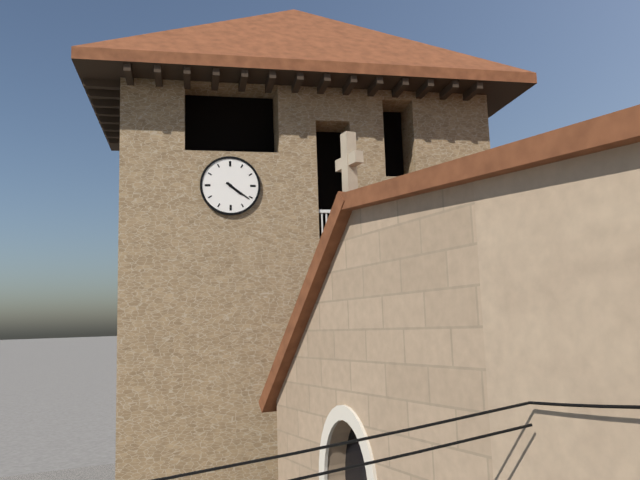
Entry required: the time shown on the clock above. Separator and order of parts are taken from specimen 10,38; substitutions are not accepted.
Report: 4,21
